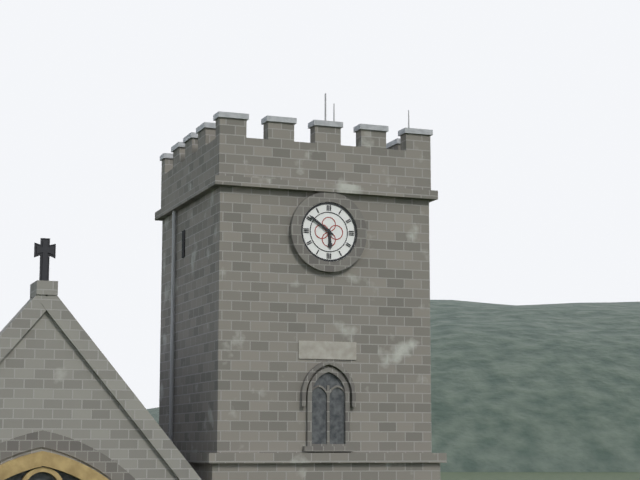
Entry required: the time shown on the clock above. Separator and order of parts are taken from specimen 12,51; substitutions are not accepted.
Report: 5,51
